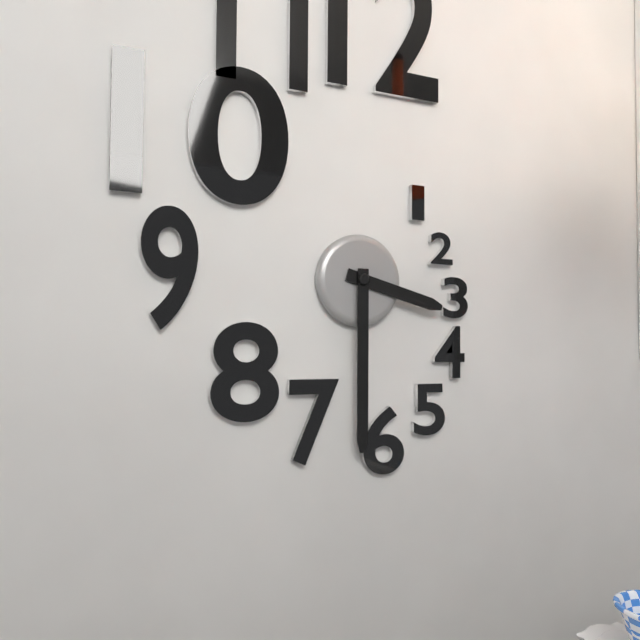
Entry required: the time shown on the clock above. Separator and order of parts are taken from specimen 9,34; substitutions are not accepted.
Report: 3,30
